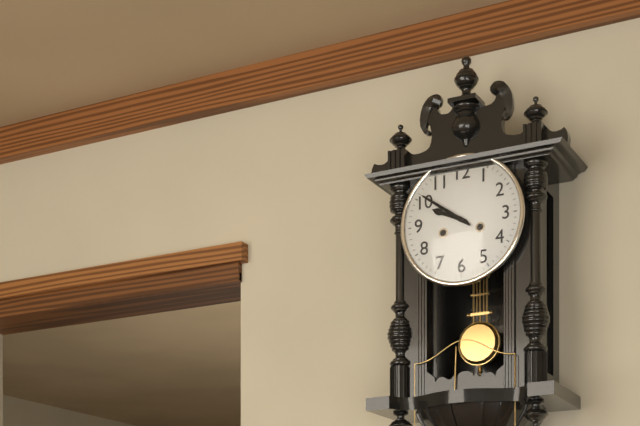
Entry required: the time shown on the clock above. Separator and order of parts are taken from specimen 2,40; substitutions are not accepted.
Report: 9,51
